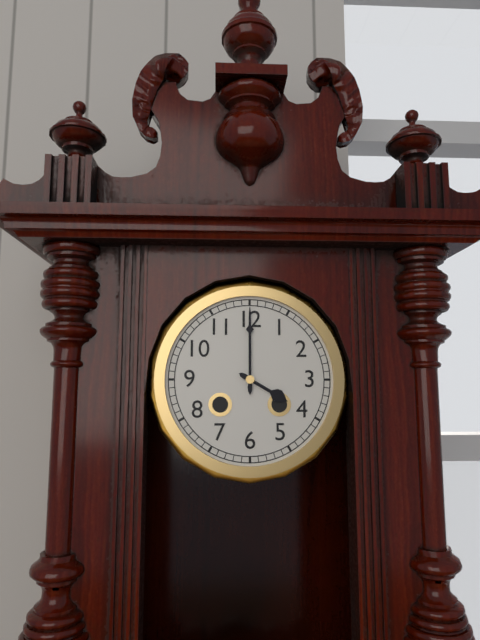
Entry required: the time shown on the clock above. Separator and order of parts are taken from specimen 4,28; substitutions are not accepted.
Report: 4,00
